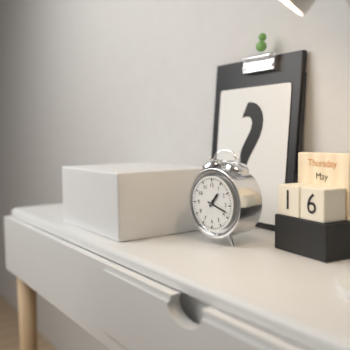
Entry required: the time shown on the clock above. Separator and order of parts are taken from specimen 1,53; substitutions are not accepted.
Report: 1,18
